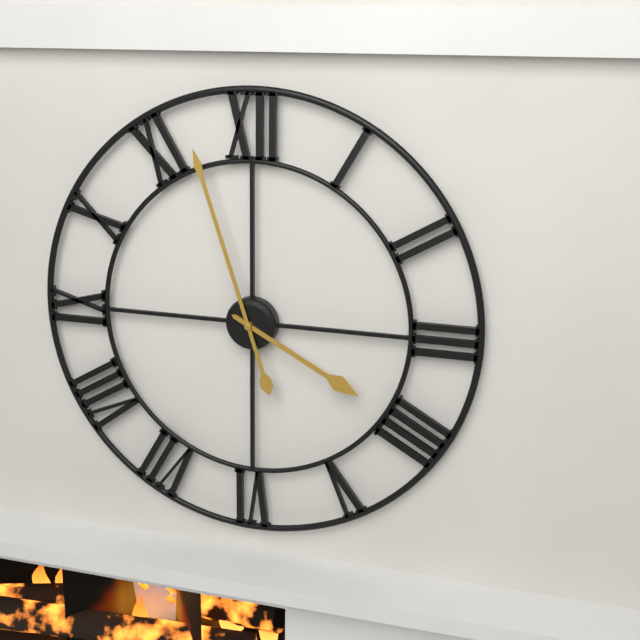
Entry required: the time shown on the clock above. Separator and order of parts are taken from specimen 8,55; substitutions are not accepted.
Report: 3,57
